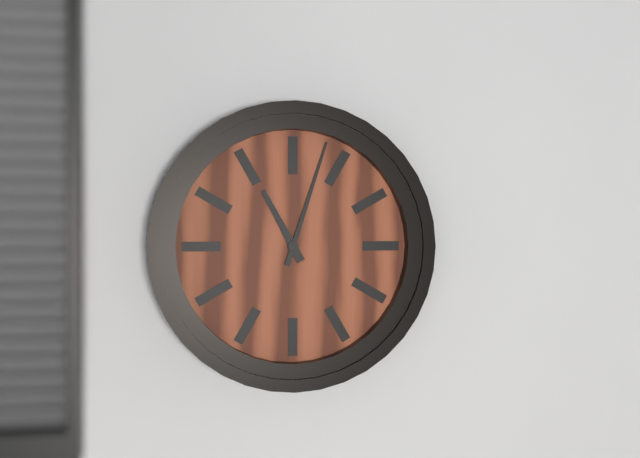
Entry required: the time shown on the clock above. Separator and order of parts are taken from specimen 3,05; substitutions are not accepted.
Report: 11,03
